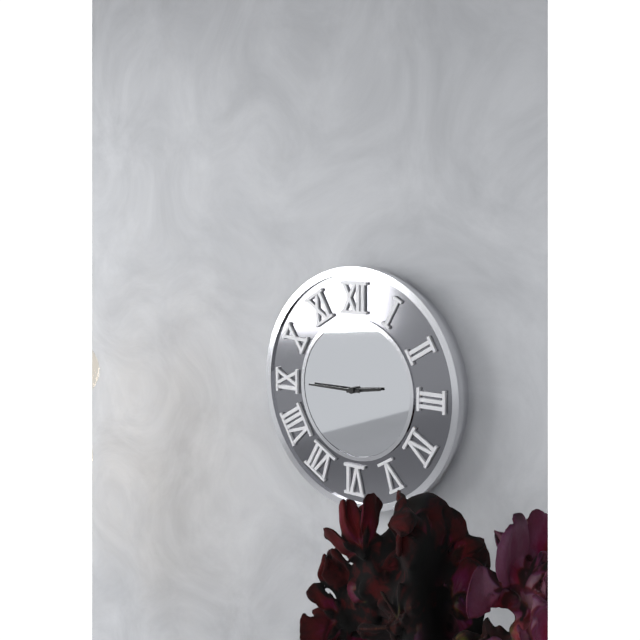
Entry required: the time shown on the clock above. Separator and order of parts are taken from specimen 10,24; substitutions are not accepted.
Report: 2,45
